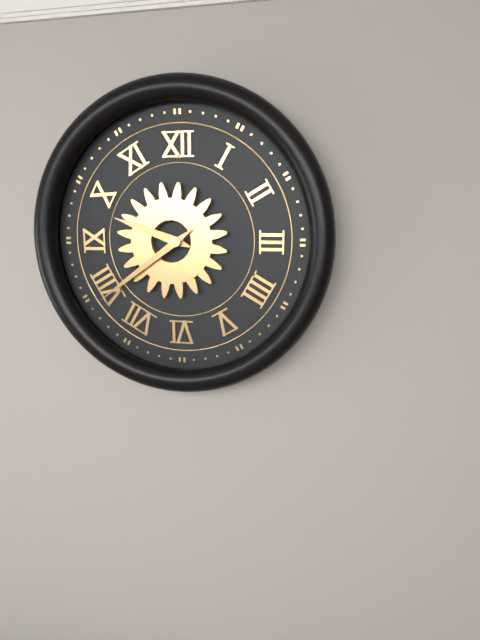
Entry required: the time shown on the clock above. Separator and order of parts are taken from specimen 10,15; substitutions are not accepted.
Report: 9,39
